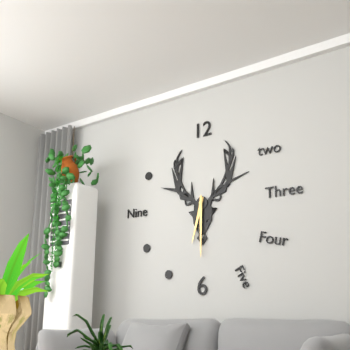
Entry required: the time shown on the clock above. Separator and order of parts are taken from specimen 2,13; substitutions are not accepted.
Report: 6,30
